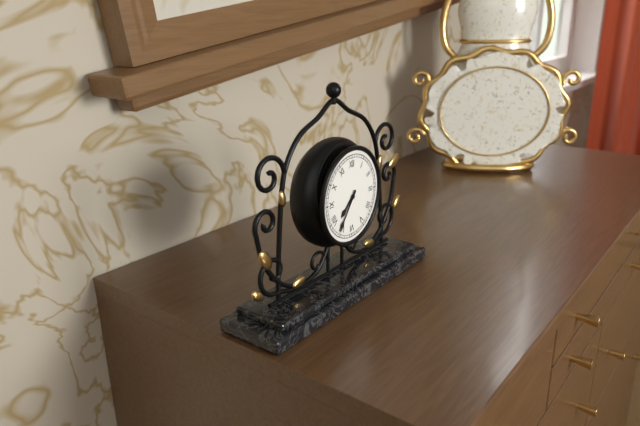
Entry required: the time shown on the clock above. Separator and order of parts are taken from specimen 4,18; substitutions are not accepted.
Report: 7,36
